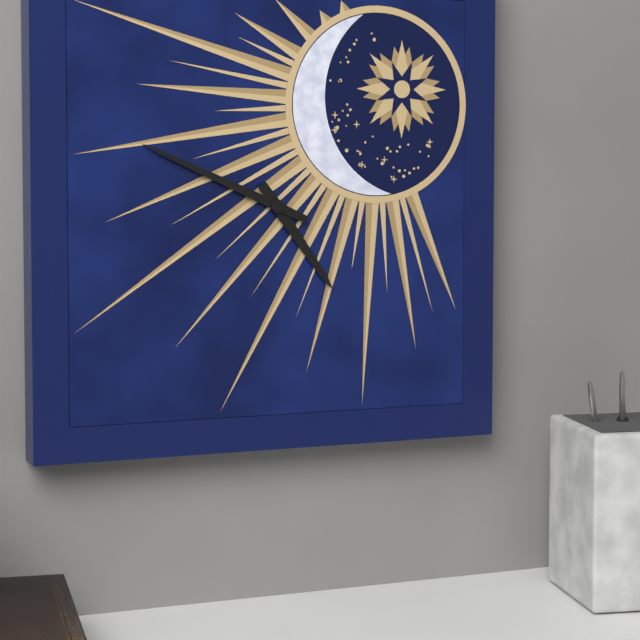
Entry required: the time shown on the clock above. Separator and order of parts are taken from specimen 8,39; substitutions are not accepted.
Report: 4,49
